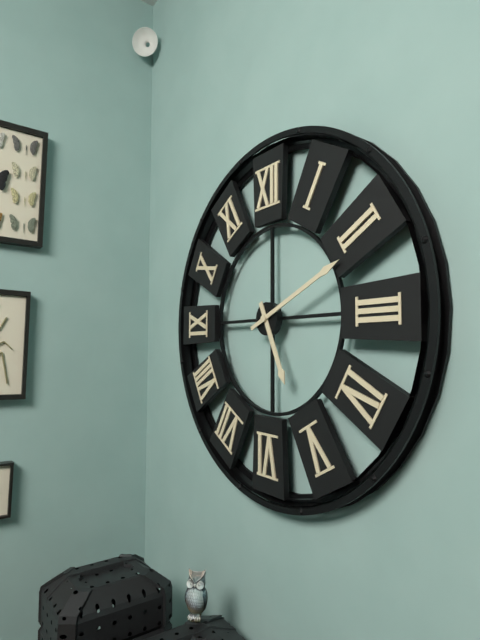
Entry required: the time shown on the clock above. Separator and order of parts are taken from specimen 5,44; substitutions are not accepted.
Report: 5,11
